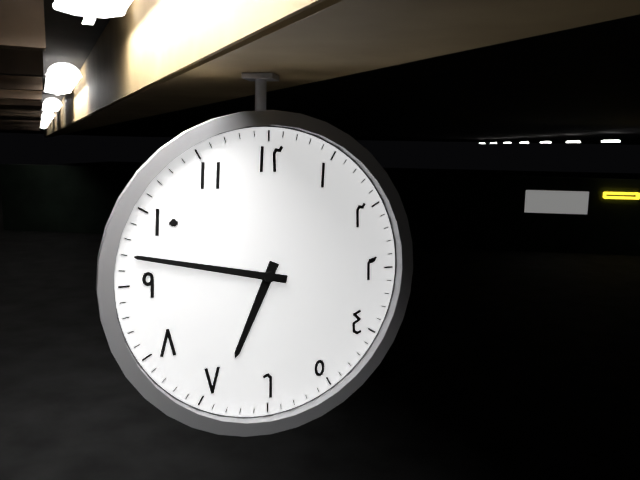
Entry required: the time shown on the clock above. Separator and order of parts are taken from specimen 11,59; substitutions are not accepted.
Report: 6,47
